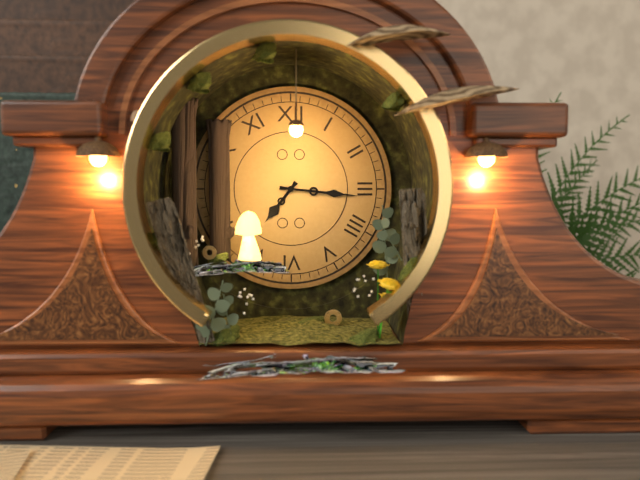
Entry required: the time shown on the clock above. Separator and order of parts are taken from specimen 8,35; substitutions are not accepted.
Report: 7,16
